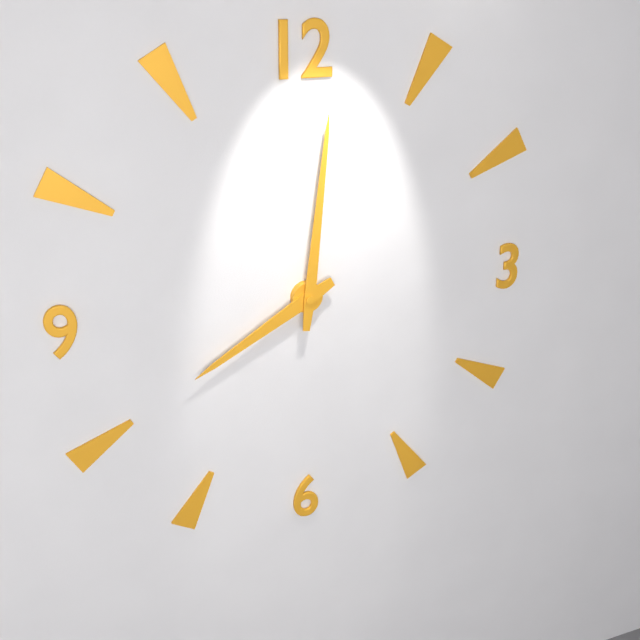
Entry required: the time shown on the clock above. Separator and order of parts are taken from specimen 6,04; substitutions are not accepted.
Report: 8,01
